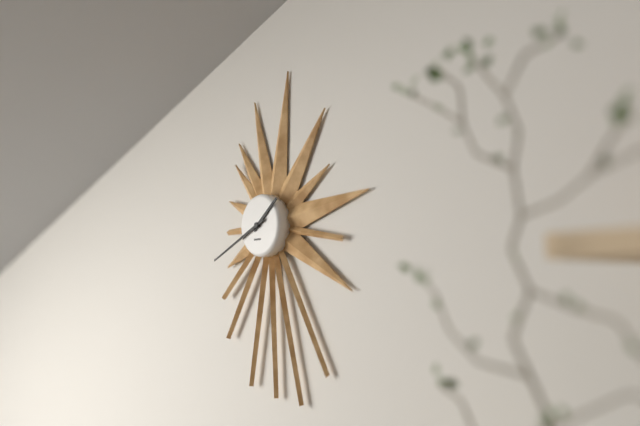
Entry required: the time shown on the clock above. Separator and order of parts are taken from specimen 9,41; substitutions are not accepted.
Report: 1,41
